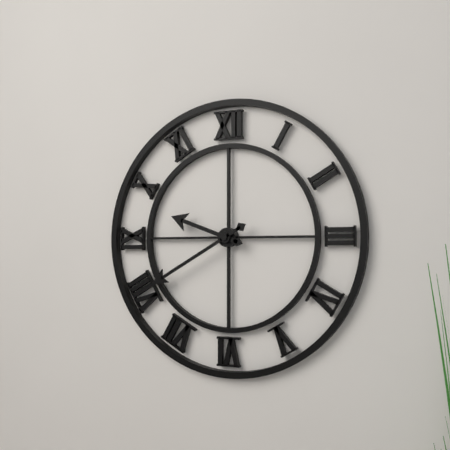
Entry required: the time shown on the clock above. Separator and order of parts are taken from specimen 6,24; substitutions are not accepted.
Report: 9,40
